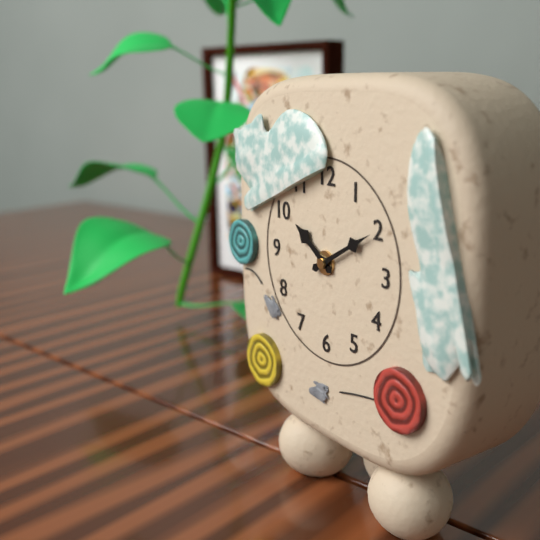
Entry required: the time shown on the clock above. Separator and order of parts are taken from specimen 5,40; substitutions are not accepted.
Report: 10,10
